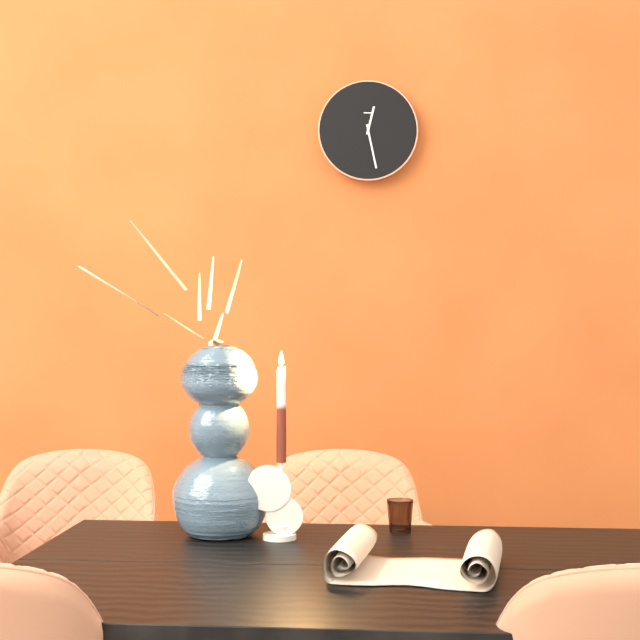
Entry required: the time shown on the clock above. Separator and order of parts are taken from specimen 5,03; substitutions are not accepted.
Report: 12,28
